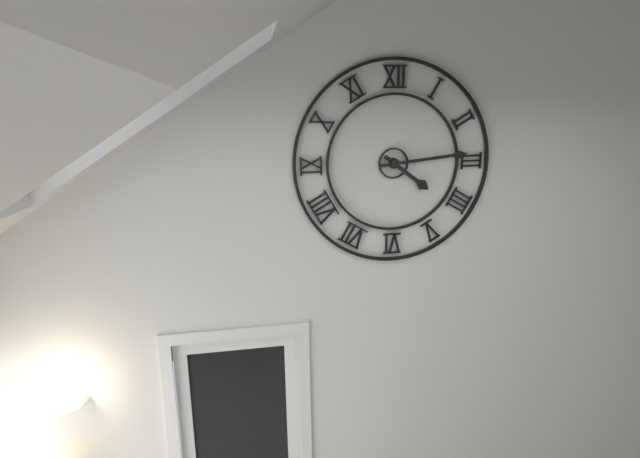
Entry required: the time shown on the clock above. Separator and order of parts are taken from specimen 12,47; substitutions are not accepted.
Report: 4,14
